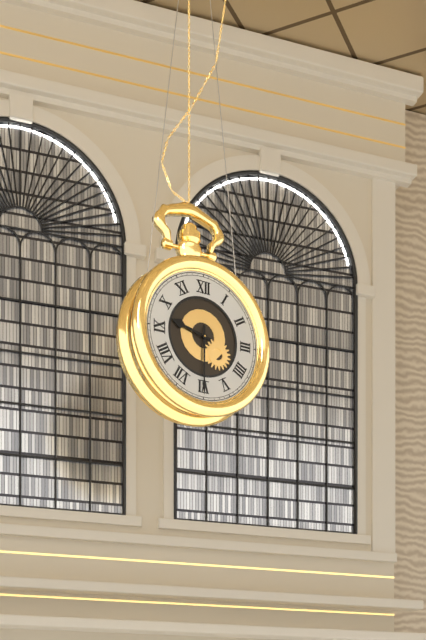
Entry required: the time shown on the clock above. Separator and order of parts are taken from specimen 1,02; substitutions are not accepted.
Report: 9,30
